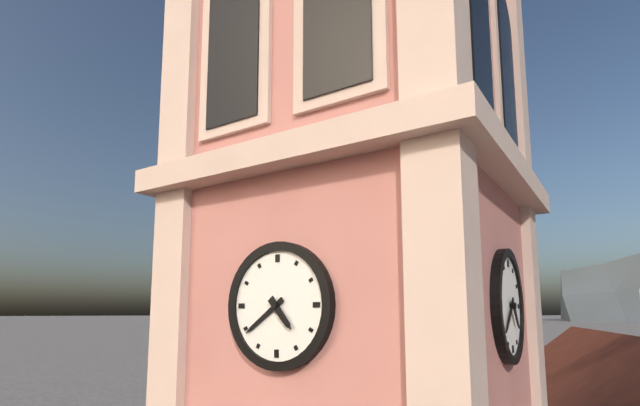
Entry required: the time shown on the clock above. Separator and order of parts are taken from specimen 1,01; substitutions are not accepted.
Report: 4,39
